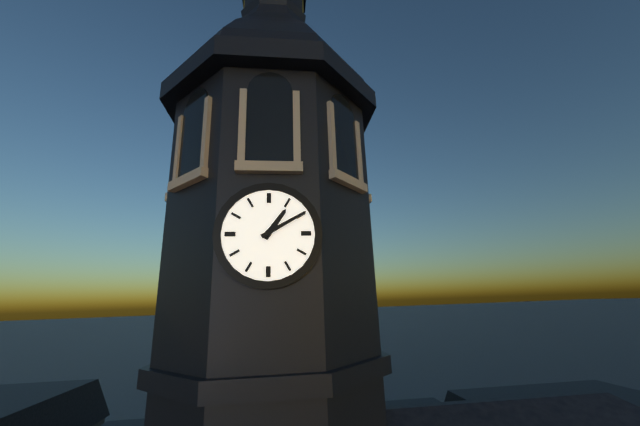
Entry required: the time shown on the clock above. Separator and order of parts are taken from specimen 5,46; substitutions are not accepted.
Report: 1,10
